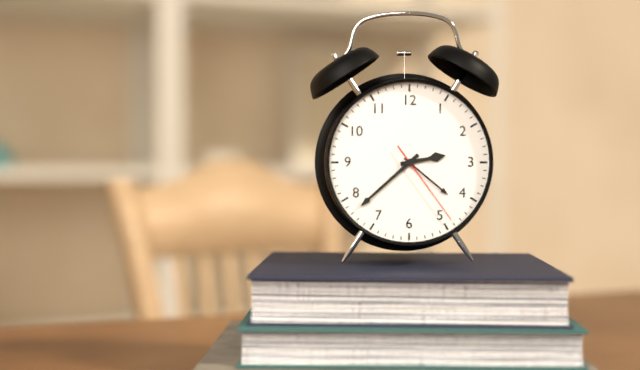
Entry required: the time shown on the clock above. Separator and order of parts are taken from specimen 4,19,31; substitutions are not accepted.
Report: 2,38,24
